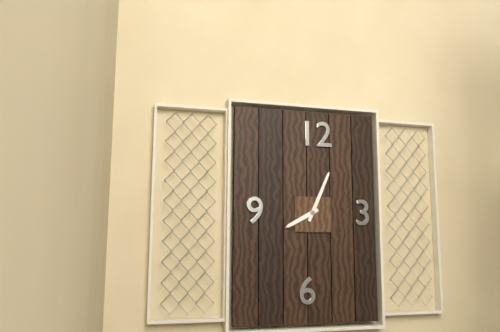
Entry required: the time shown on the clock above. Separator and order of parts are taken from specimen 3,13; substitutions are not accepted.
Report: 8,04
